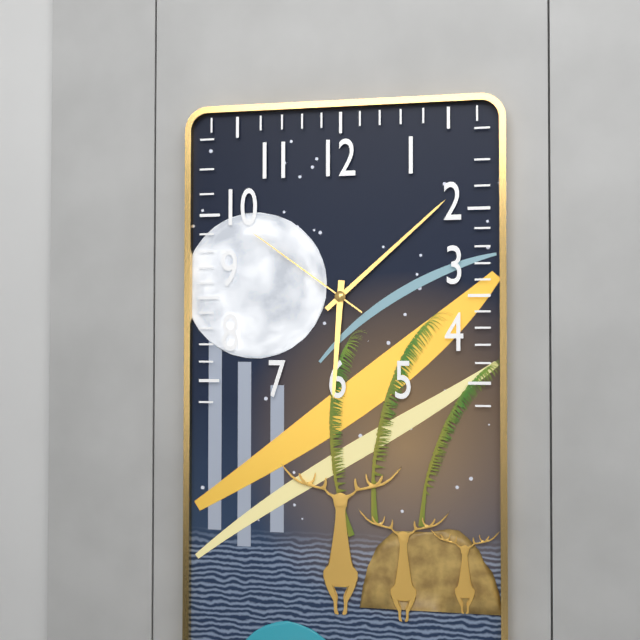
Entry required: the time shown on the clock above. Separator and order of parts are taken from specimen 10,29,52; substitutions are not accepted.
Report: 6,08,51
